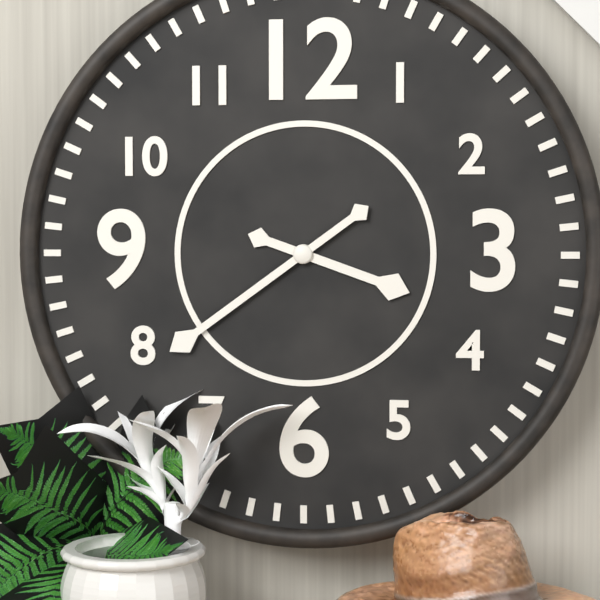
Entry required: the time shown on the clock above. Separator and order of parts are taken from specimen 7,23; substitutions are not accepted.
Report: 3,39
